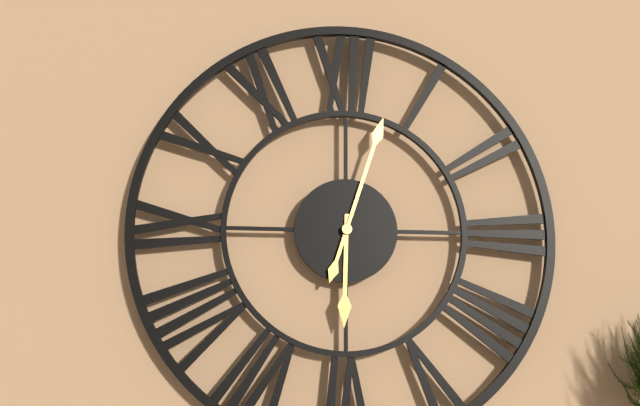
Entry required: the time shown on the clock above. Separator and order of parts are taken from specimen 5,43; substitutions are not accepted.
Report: 6,03
